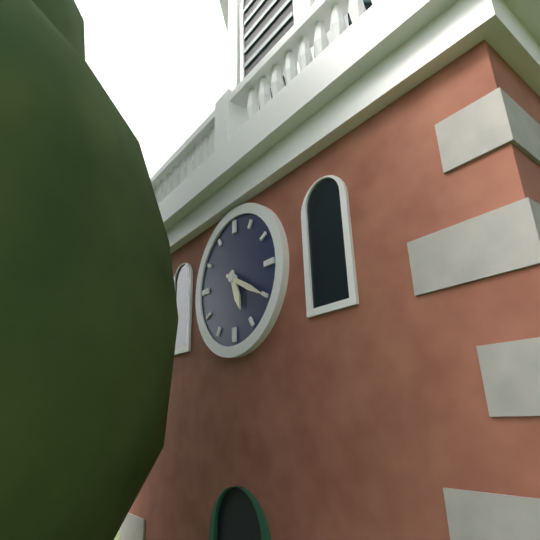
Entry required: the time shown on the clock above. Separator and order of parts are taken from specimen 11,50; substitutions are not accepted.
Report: 5,20
